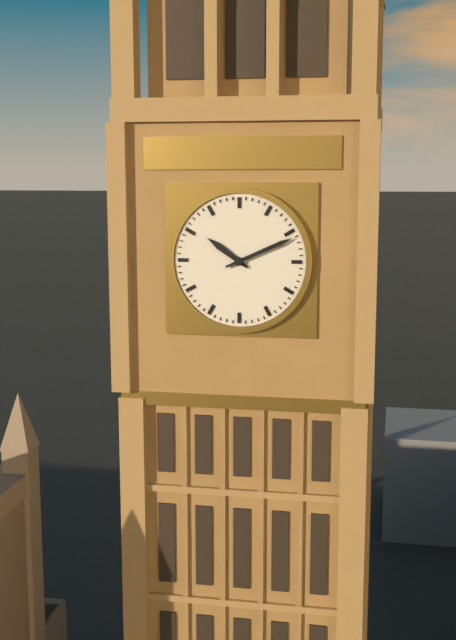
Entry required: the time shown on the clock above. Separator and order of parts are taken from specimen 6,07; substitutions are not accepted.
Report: 10,11
